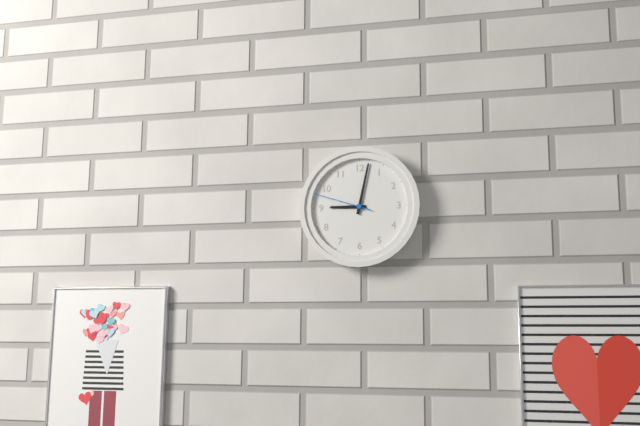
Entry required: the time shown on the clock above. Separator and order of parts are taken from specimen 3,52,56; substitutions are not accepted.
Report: 9,02,48
